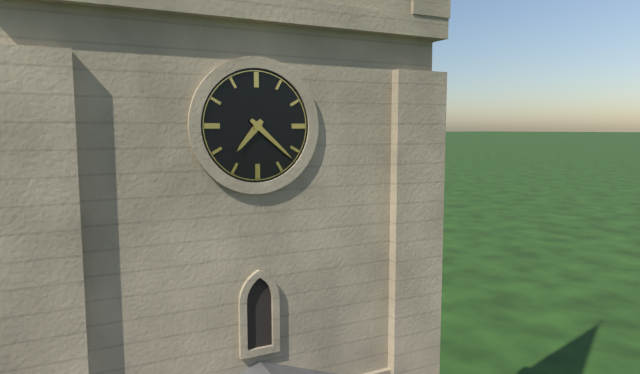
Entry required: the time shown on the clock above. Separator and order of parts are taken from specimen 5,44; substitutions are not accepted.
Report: 7,22
